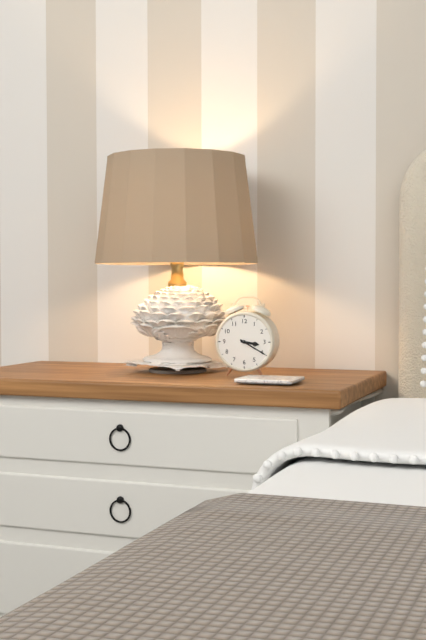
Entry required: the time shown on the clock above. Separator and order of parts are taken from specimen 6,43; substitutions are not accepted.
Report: 3,20
